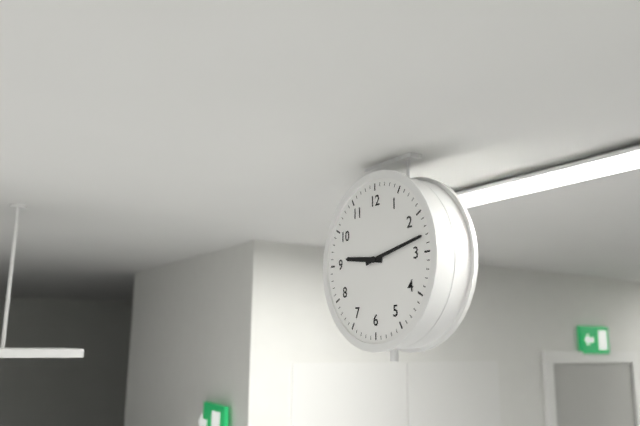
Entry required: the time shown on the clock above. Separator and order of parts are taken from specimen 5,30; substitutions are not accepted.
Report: 9,13
